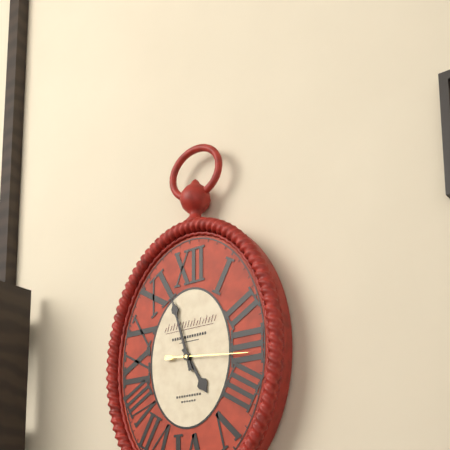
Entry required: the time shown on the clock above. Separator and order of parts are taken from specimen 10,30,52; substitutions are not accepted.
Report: 4,57,16
